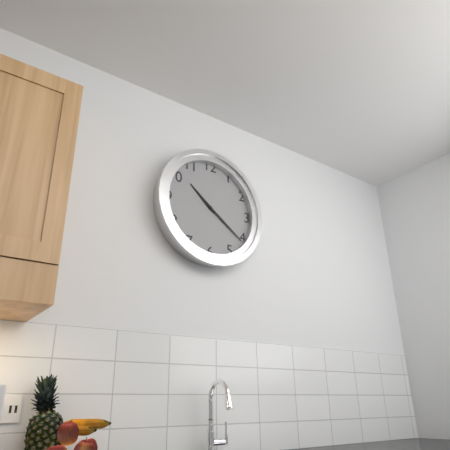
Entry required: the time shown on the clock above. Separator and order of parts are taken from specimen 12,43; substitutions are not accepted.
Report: 10,21
